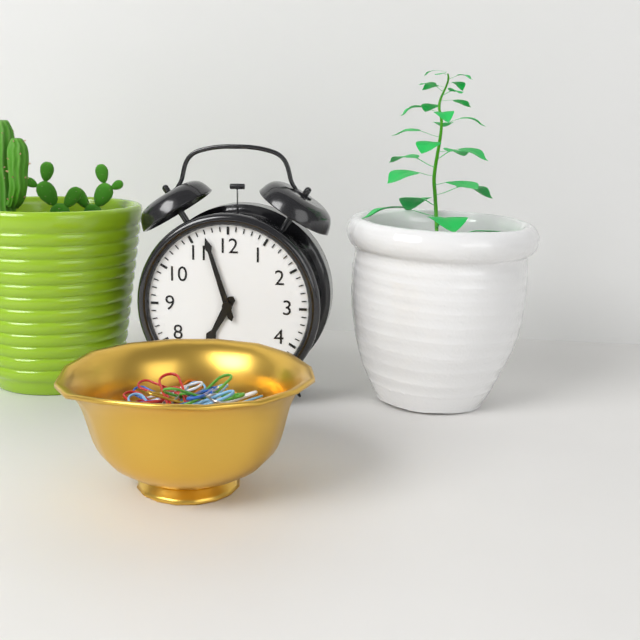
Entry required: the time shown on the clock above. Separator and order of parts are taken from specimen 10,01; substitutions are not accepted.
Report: 6,57
